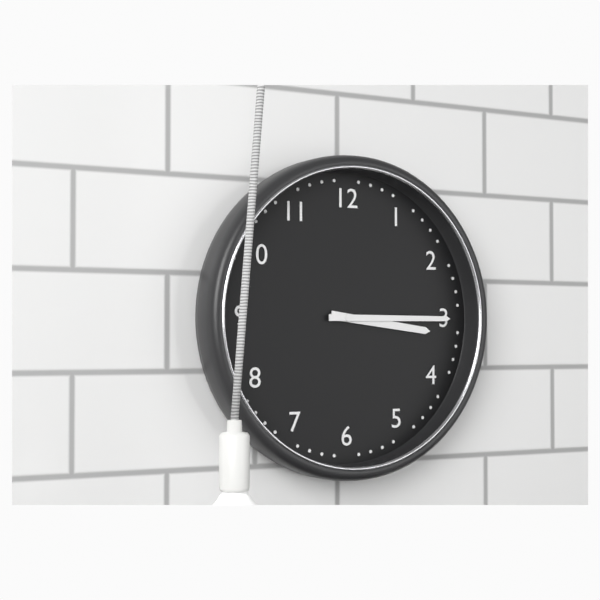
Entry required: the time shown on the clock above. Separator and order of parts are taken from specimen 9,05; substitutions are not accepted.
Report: 3,15
